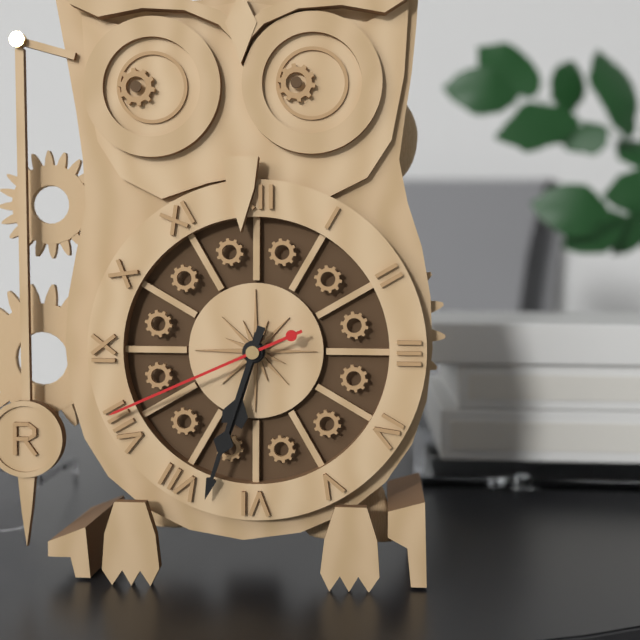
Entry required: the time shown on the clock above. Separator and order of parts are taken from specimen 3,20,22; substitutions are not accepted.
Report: 6,33,41
